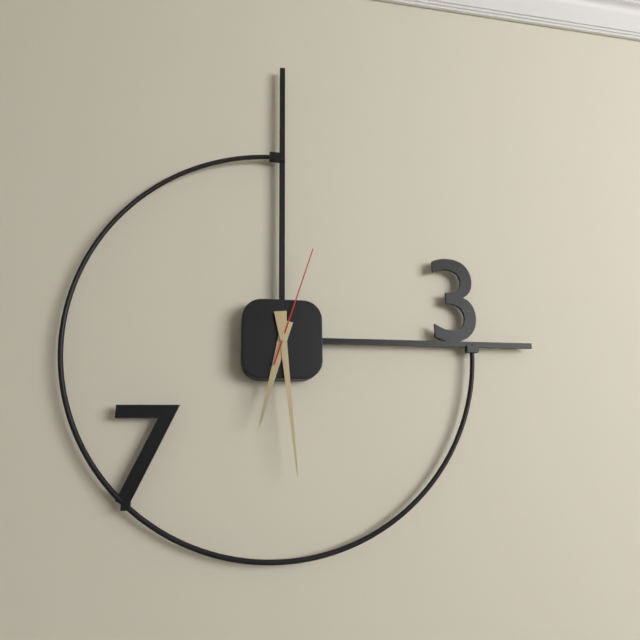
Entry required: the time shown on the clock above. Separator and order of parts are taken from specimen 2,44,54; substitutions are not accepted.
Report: 6,29,03
